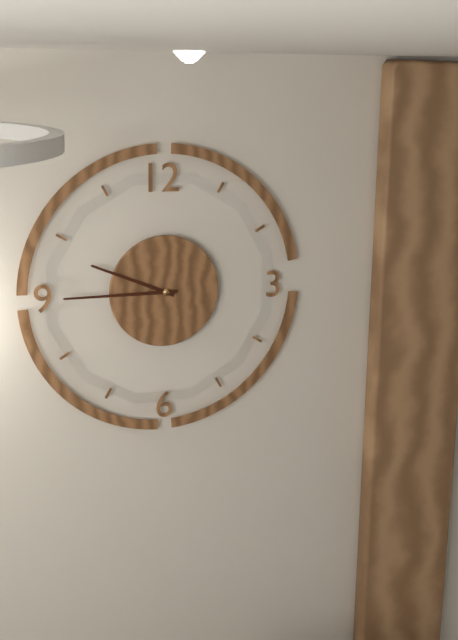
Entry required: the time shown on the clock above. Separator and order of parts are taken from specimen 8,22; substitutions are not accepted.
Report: 9,45
